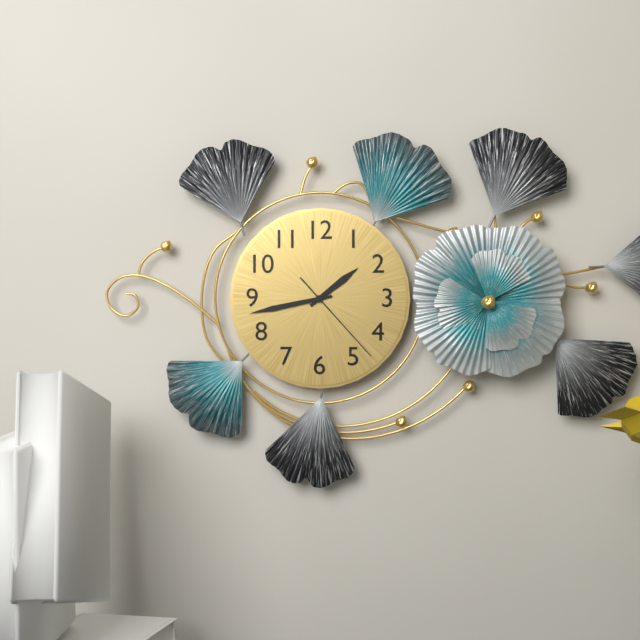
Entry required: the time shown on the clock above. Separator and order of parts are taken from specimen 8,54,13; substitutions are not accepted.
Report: 1,43,23
